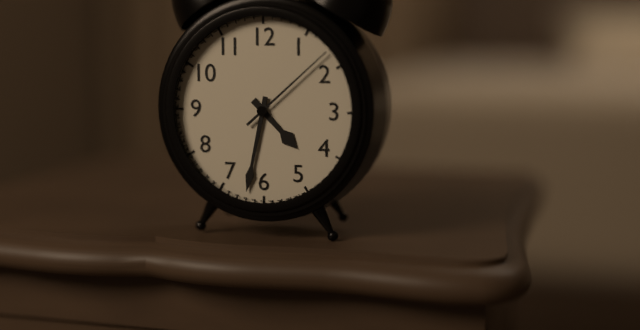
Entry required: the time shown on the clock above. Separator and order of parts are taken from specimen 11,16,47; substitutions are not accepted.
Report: 4,32,08
